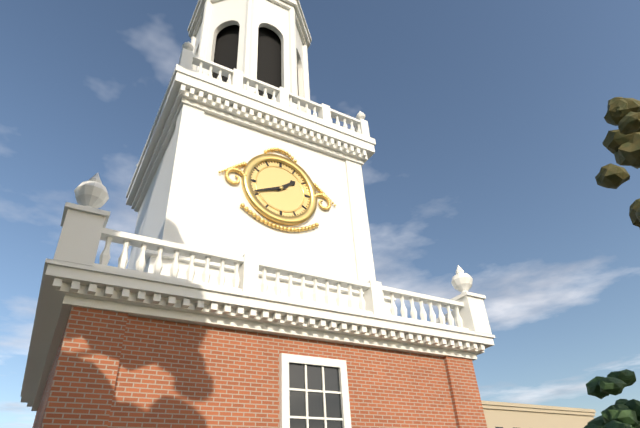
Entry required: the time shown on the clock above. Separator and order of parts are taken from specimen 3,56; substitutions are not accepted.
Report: 1,41
